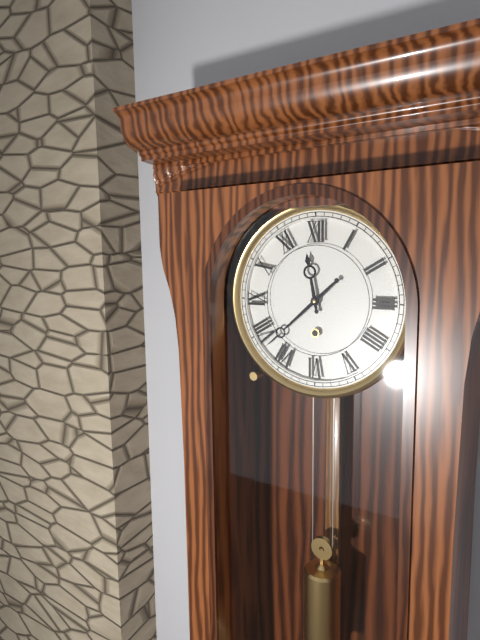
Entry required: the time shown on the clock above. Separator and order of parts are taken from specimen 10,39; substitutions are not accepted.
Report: 11,38
